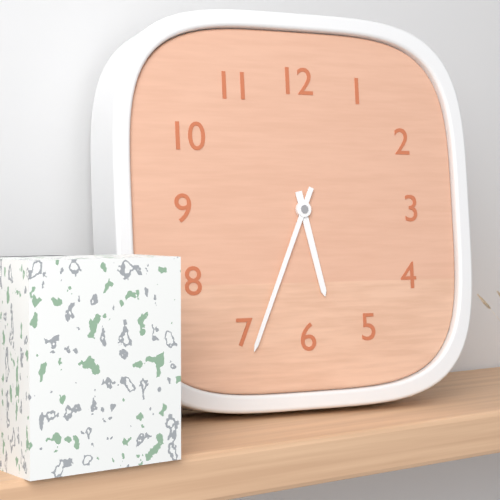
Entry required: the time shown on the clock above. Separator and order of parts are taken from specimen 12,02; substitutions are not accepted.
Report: 5,34
